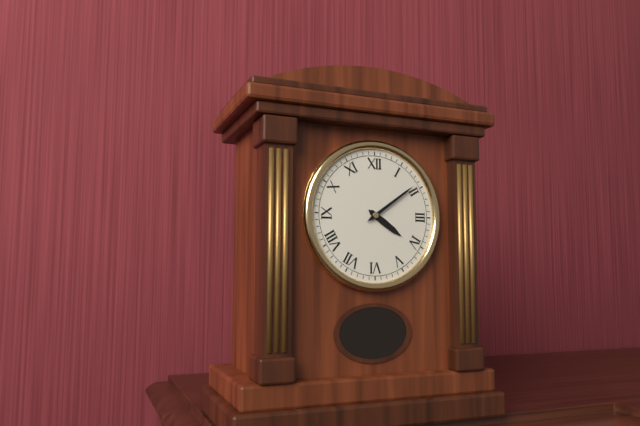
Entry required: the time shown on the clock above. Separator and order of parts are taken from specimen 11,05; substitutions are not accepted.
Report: 4,09
